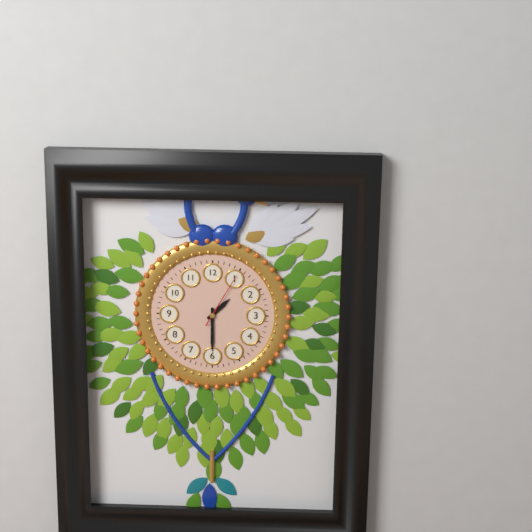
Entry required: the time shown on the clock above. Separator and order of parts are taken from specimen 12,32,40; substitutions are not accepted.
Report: 1,30,05
